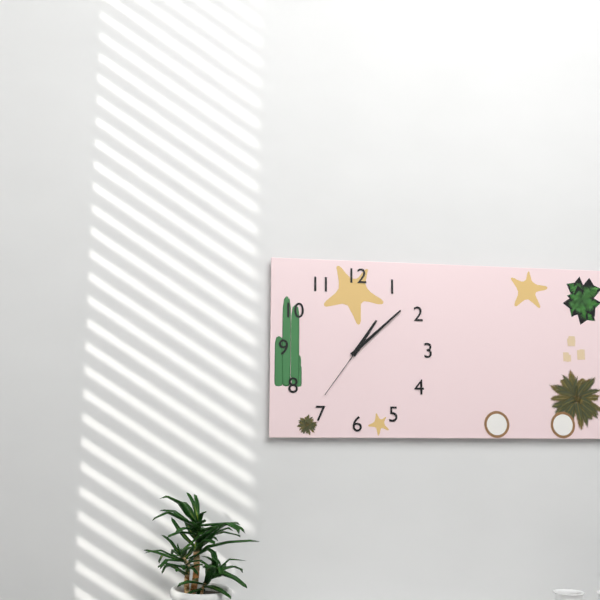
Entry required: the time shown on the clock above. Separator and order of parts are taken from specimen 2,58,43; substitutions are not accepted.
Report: 1,08,36
